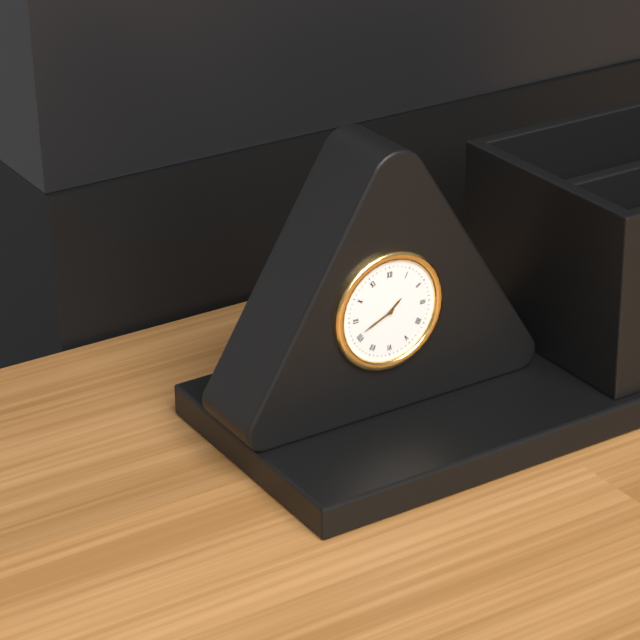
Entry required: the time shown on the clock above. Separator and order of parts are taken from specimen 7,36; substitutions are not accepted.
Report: 1,41
